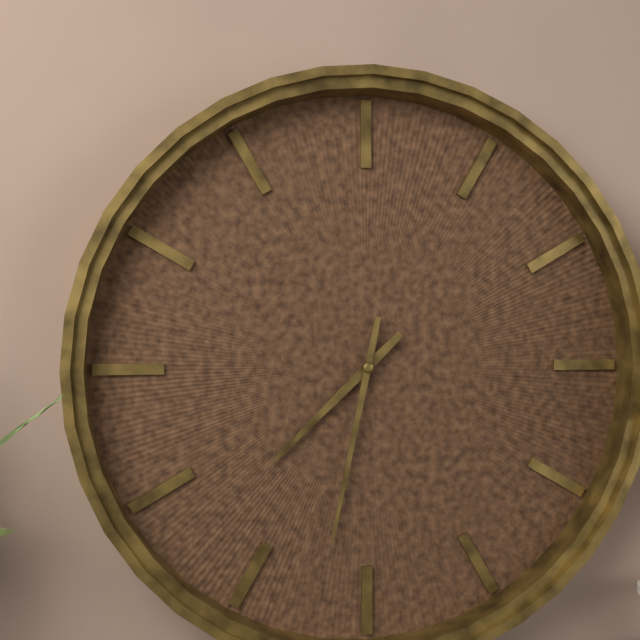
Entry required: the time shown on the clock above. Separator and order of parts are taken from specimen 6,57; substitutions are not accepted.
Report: 7,32
